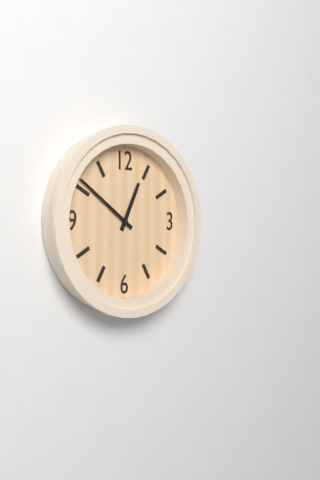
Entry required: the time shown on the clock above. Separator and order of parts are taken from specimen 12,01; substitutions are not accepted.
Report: 12,51
